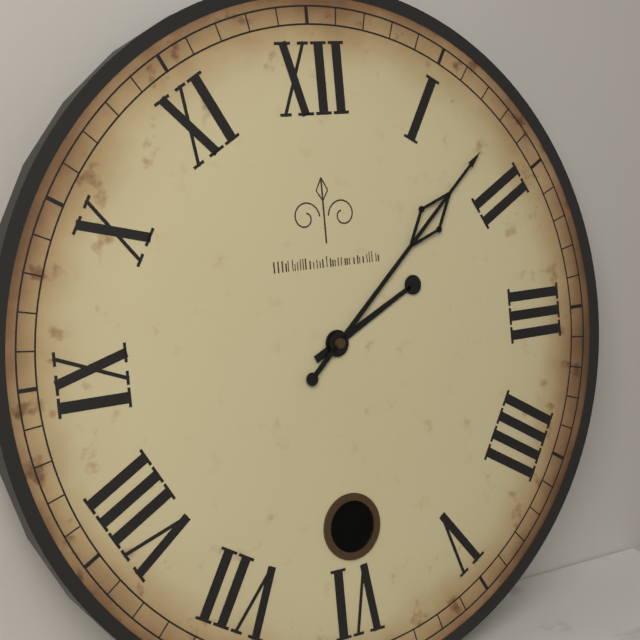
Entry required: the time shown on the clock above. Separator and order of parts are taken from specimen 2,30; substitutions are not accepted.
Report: 2,08
